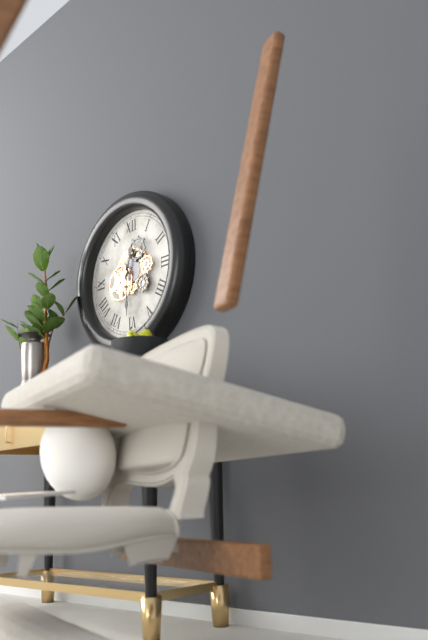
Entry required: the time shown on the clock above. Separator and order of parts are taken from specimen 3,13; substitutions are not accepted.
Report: 12,30
